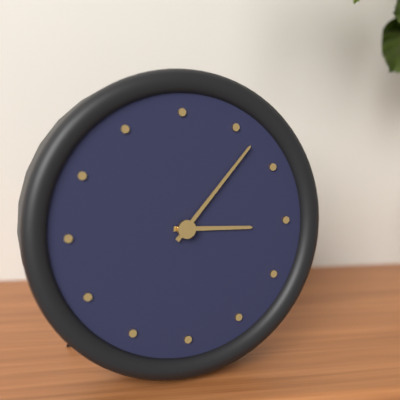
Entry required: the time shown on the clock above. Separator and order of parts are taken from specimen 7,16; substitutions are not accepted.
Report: 3,07
